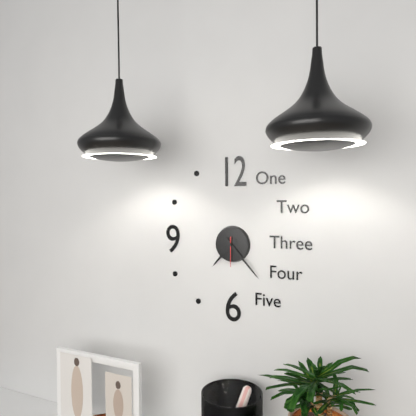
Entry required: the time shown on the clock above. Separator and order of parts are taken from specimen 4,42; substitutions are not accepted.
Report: 7,23
